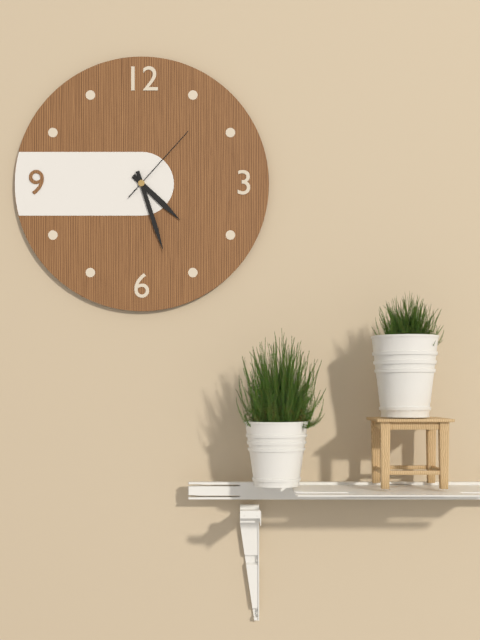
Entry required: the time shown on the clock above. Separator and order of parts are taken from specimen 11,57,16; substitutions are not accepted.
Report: 4,27,07
